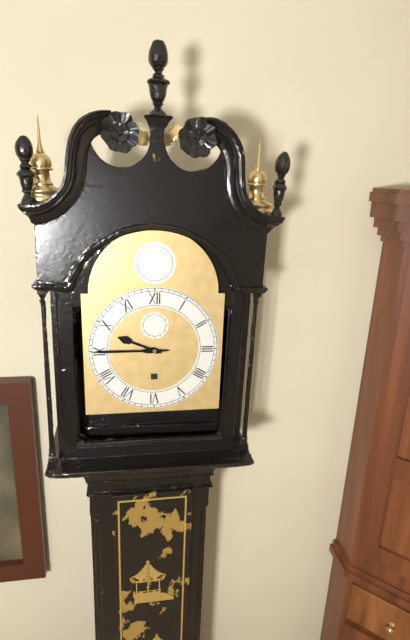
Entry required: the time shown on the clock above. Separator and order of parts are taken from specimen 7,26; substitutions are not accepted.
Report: 9,45
